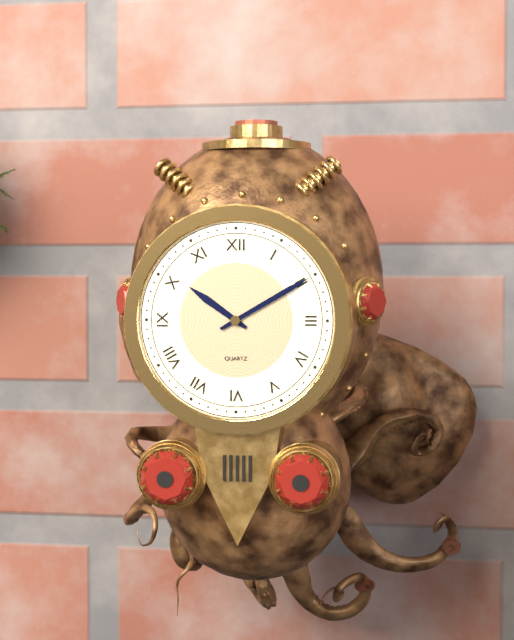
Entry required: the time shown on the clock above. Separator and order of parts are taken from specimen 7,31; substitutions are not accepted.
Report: 10,10
